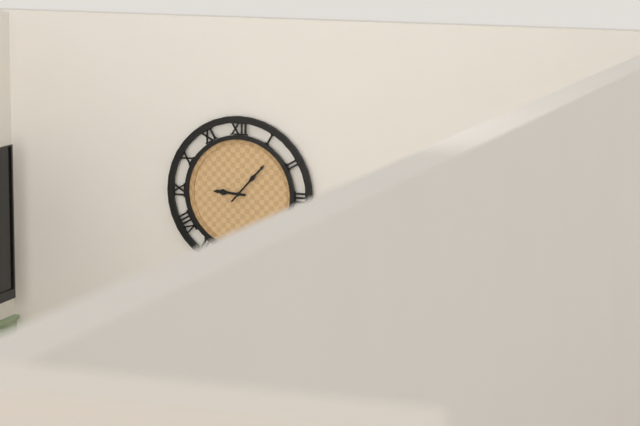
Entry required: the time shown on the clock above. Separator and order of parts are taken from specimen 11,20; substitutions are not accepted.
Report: 9,07
